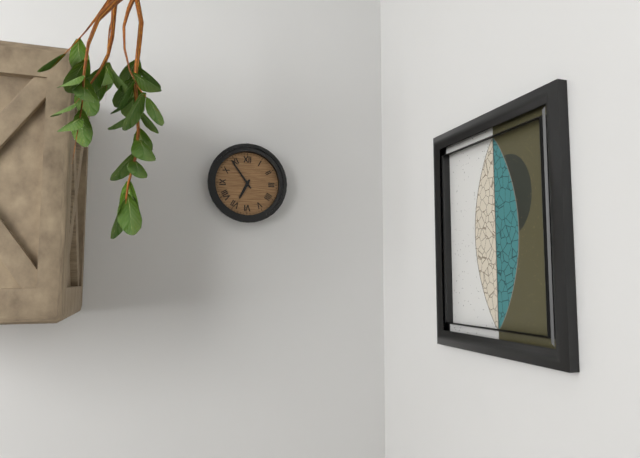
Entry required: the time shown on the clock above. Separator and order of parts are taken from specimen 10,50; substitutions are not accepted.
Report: 6,54
